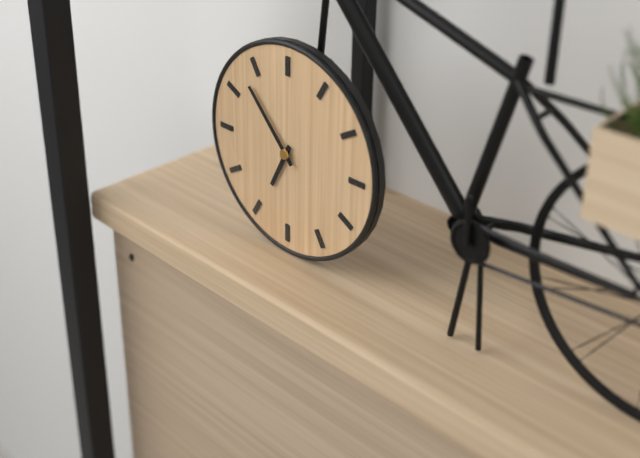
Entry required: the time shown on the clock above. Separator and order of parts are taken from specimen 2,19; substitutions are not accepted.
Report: 6,53
